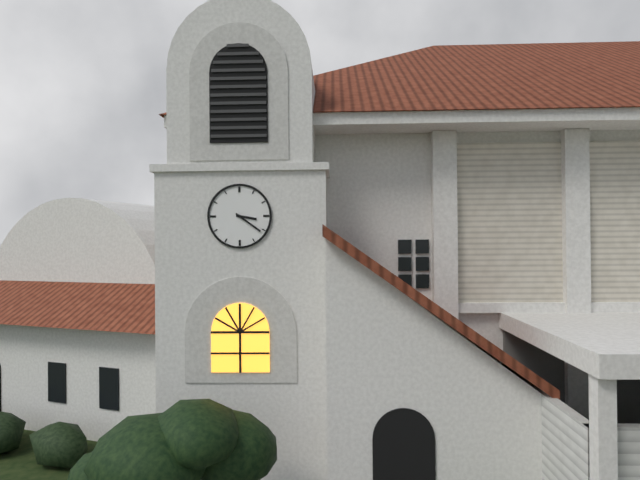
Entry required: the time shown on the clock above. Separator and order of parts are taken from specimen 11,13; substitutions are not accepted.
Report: 3,21
